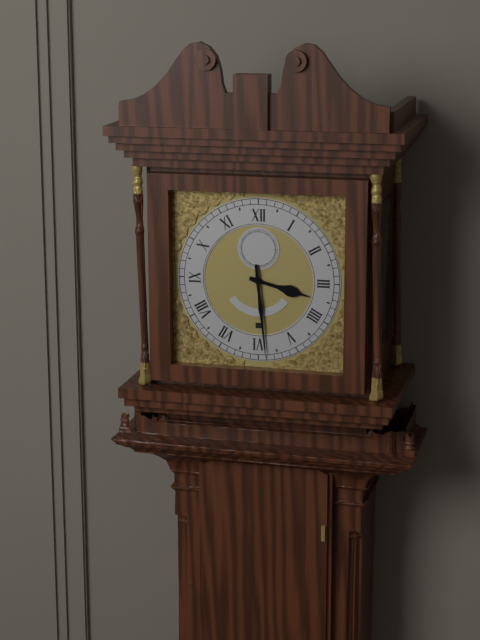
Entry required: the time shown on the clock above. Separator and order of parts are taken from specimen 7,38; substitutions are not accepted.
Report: 3,29
